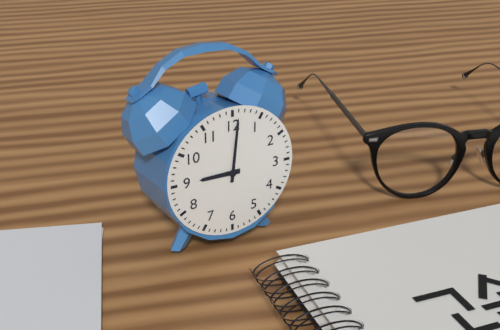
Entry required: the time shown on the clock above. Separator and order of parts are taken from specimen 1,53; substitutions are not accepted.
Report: 9,01
